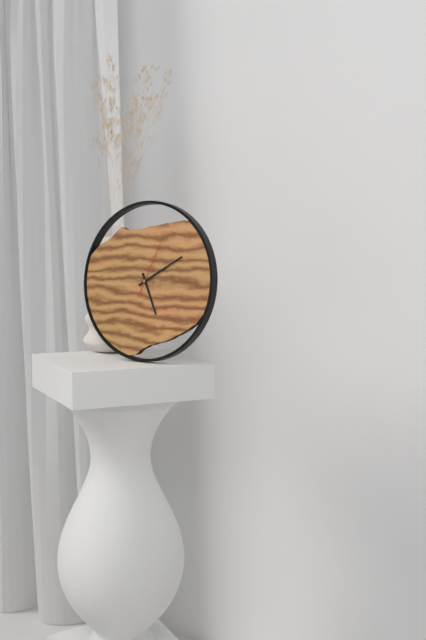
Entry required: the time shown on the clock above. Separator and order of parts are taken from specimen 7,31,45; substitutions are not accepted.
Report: 5,10,04
